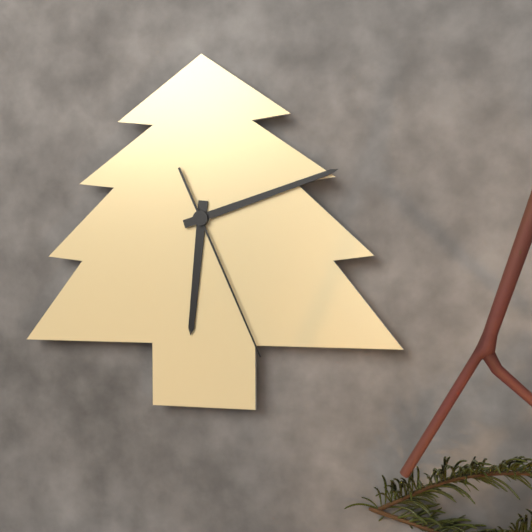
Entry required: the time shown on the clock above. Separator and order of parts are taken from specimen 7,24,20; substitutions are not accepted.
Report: 6,12,26
